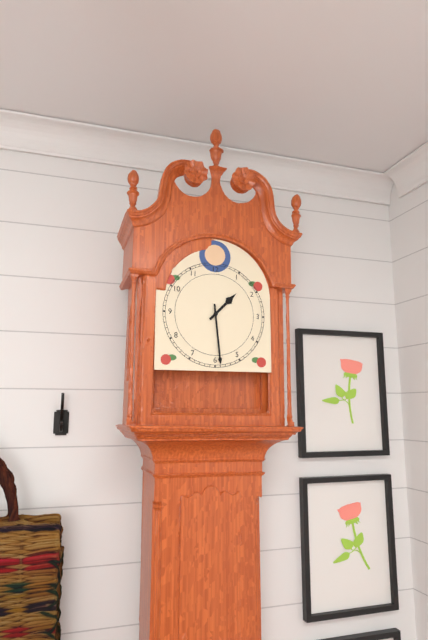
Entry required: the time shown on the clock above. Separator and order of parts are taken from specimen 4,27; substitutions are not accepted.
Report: 1,29
